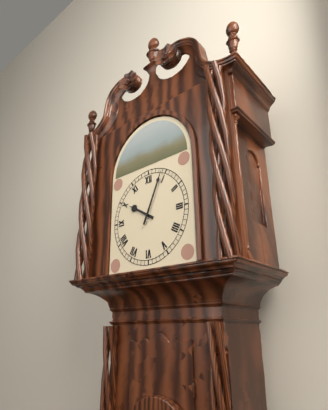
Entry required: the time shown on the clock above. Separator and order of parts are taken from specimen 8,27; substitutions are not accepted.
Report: 10,04
